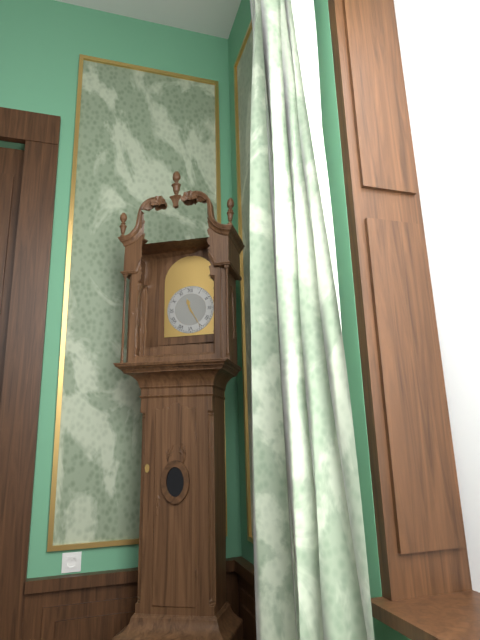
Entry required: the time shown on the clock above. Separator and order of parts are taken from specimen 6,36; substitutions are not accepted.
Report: 11,25
